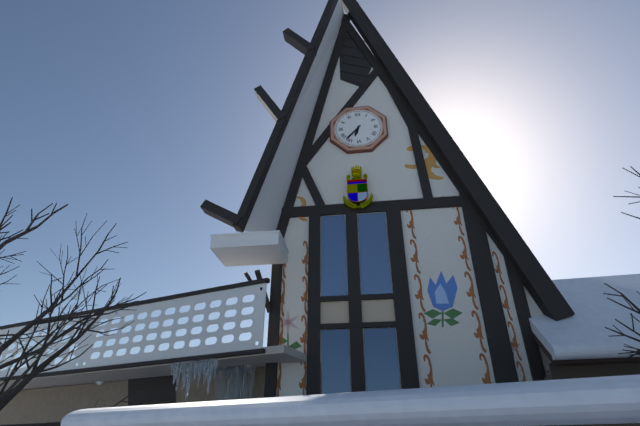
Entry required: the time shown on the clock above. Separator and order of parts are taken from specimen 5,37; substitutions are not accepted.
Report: 6,37
